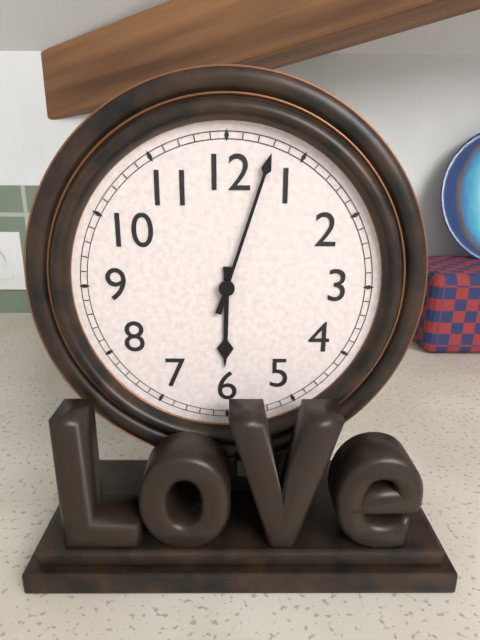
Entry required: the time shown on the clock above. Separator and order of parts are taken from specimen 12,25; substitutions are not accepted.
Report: 6,03
